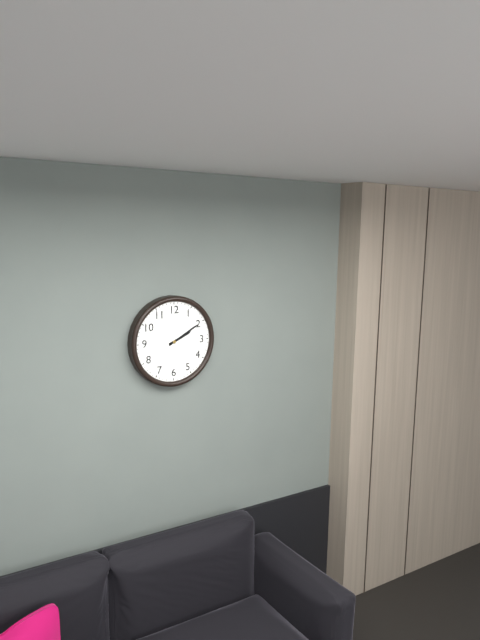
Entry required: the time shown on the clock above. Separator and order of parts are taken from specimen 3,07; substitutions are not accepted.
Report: 2,10
